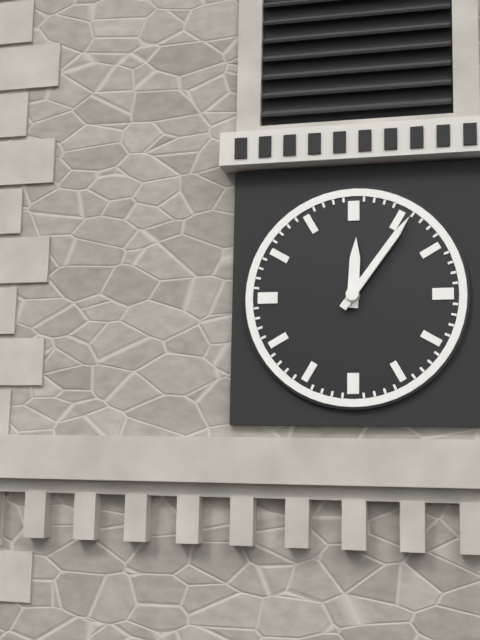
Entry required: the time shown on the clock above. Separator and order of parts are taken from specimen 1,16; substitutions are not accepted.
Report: 12,06
